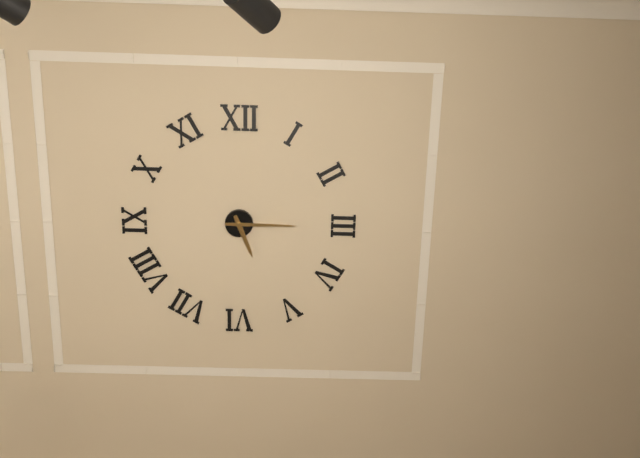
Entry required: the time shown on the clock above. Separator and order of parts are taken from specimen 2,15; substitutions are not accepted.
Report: 5,15
